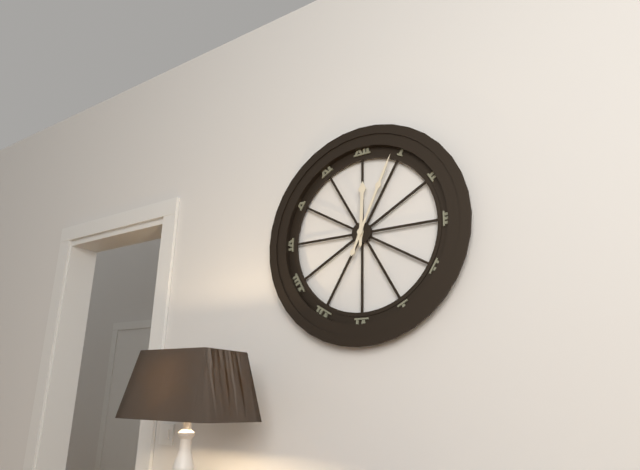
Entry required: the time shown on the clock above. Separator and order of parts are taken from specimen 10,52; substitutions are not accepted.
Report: 12,04
